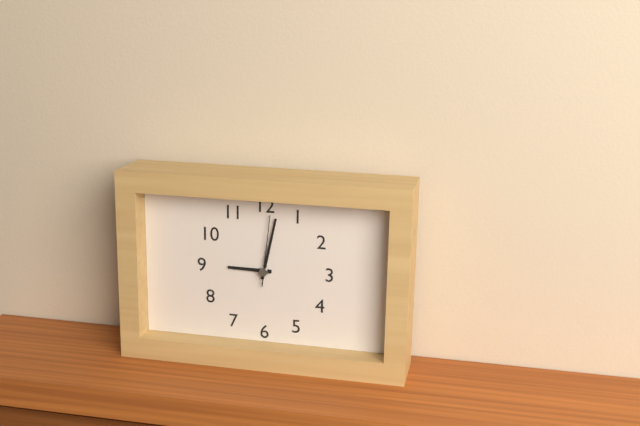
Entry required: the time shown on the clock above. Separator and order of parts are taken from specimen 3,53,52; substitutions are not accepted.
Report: 9,02,01
